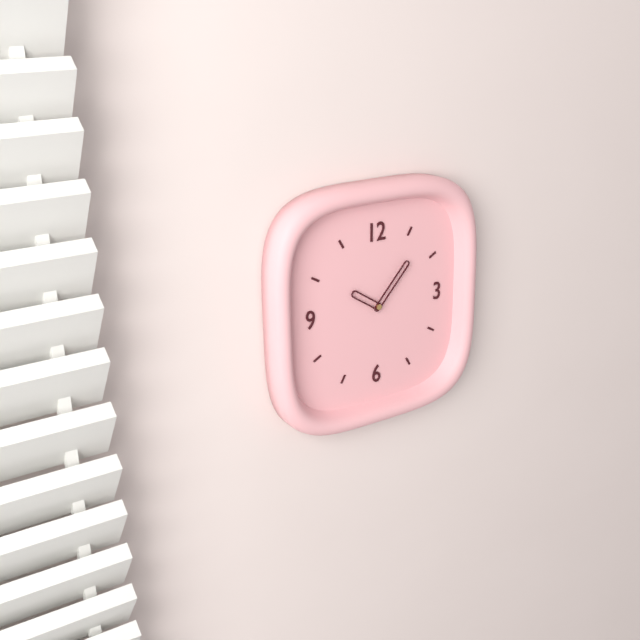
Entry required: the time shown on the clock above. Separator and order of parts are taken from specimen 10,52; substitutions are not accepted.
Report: 10,07
